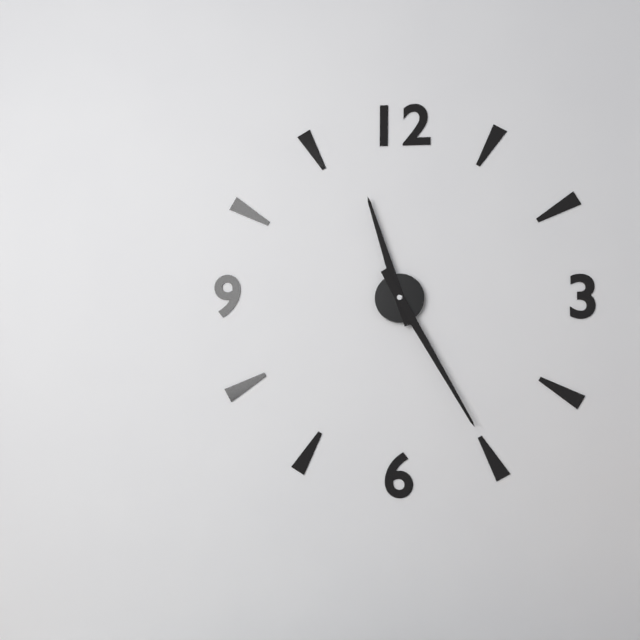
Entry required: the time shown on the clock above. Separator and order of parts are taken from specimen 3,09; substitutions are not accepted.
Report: 11,25
